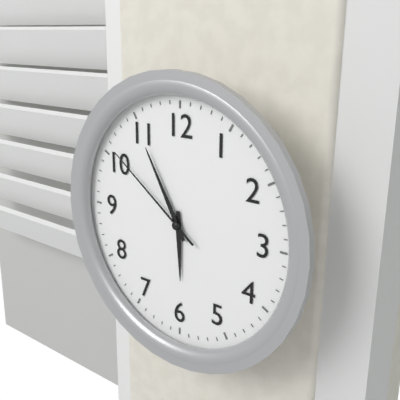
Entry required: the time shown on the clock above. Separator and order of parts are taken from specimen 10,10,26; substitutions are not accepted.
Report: 5,55,51
